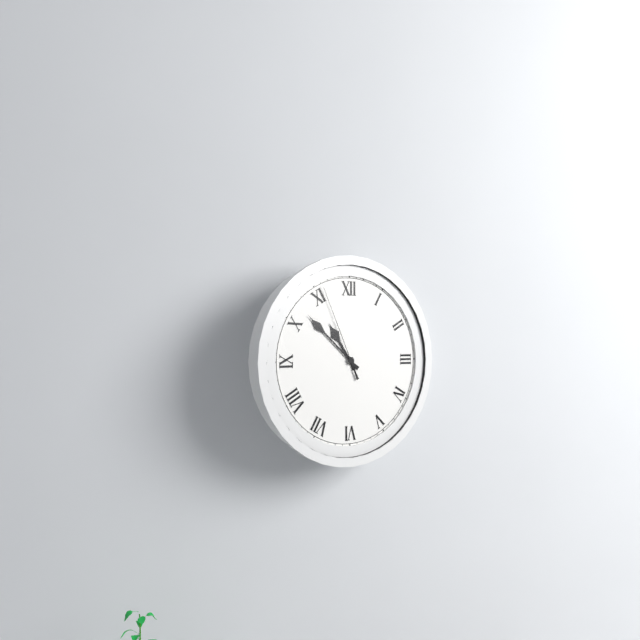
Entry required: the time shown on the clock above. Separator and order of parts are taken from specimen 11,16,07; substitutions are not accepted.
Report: 10,52,56
